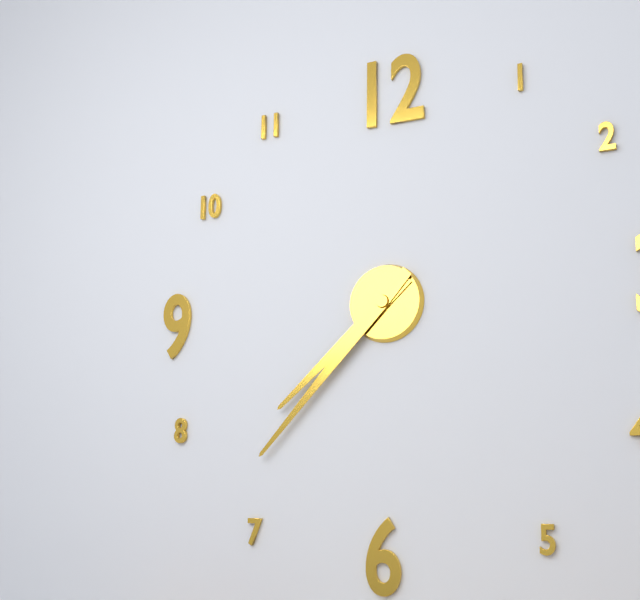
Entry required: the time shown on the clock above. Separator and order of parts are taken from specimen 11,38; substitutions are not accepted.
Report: 7,37
